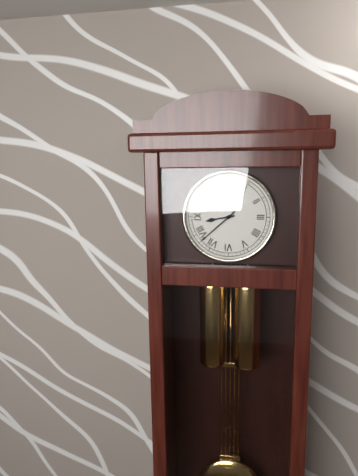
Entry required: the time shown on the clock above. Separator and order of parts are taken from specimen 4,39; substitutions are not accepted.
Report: 8,38
